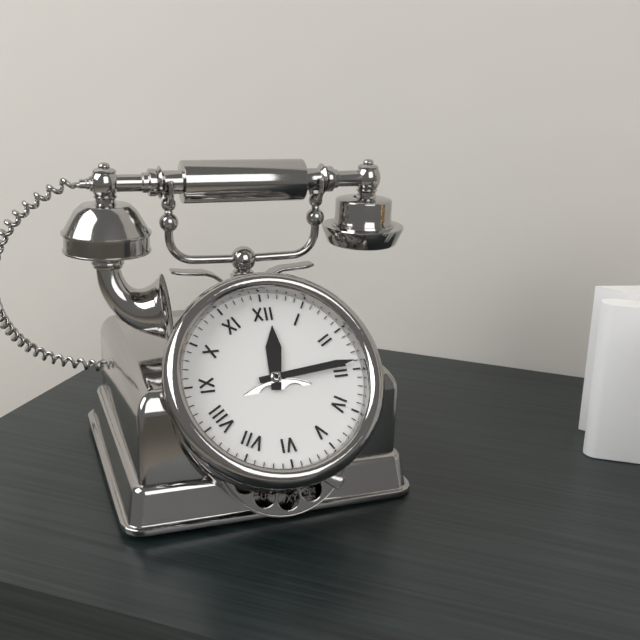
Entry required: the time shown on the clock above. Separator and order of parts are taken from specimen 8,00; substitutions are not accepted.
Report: 12,14
